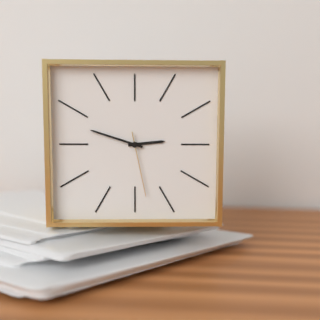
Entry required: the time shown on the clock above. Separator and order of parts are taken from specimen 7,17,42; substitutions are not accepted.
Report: 2,48,28
